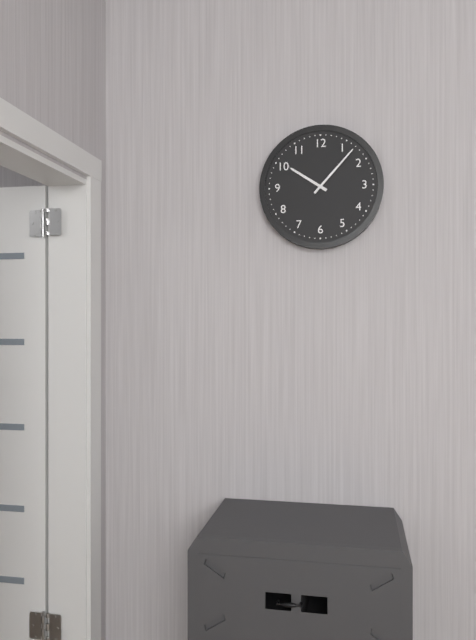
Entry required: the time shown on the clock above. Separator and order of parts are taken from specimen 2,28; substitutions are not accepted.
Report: 10,07
